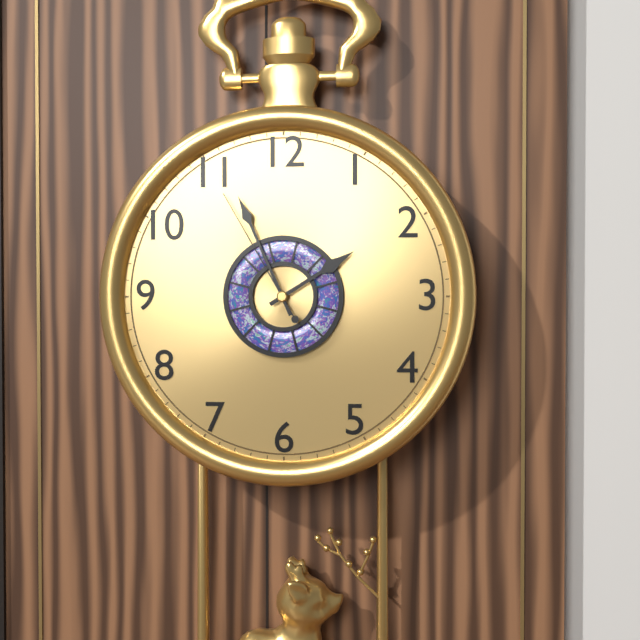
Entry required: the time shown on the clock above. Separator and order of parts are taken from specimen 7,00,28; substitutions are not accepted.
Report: 1,56,55
